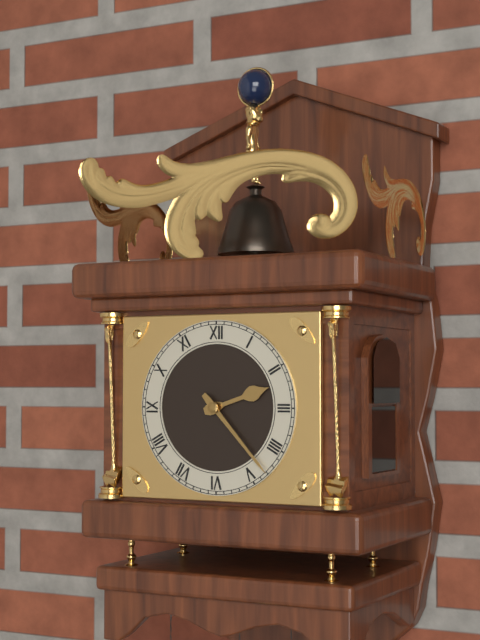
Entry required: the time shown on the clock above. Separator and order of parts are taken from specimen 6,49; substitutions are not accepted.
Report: 2,23
